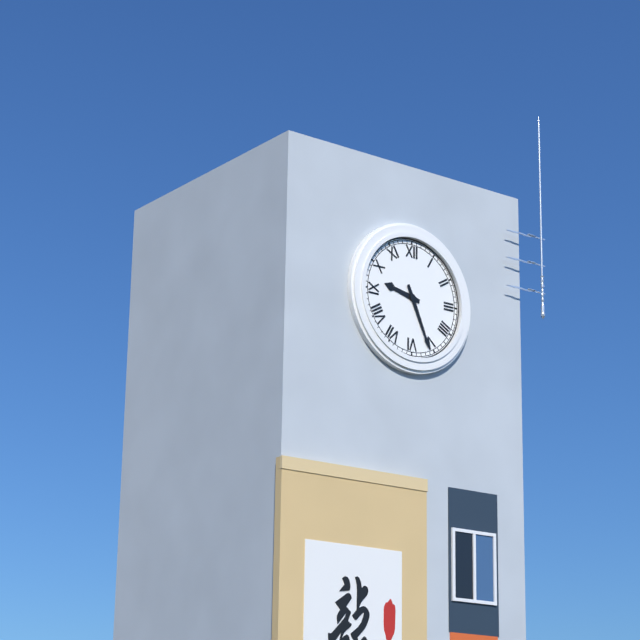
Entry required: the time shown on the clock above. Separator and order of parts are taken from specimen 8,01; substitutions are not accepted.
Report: 9,26
